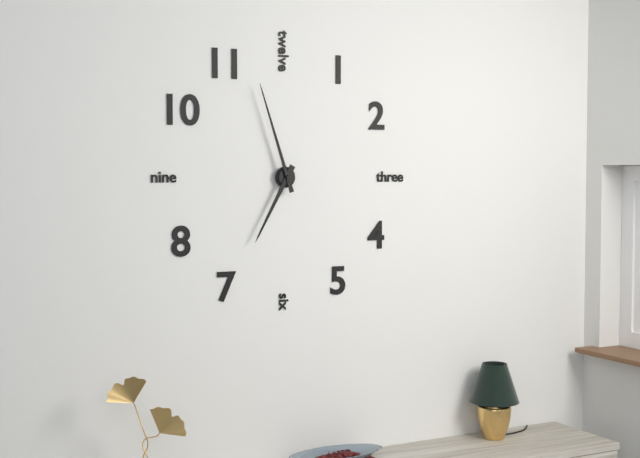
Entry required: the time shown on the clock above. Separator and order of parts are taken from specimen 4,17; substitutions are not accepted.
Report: 6,57
